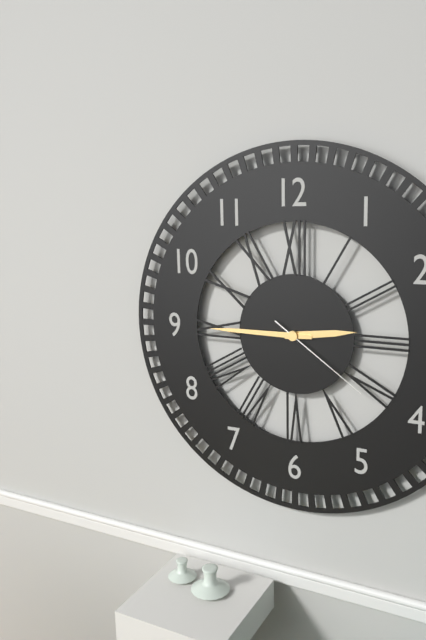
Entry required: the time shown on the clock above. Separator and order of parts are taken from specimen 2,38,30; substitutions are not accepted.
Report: 2,45,21
